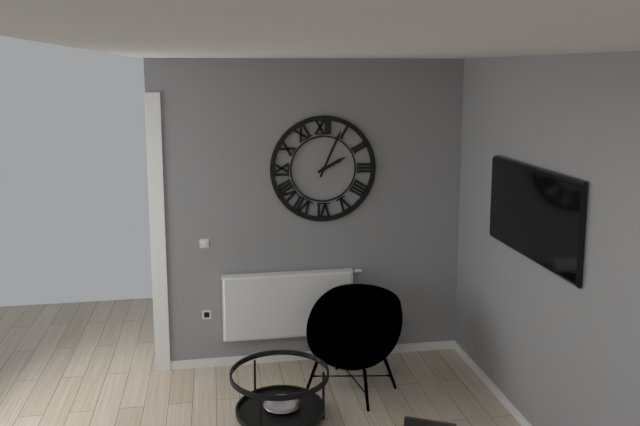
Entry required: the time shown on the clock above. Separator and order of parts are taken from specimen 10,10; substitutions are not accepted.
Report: 2,04
